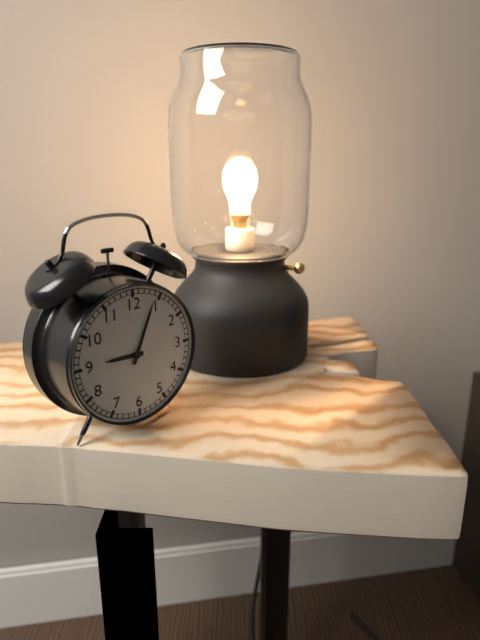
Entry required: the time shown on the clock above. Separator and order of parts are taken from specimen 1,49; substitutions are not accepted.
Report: 9,04
